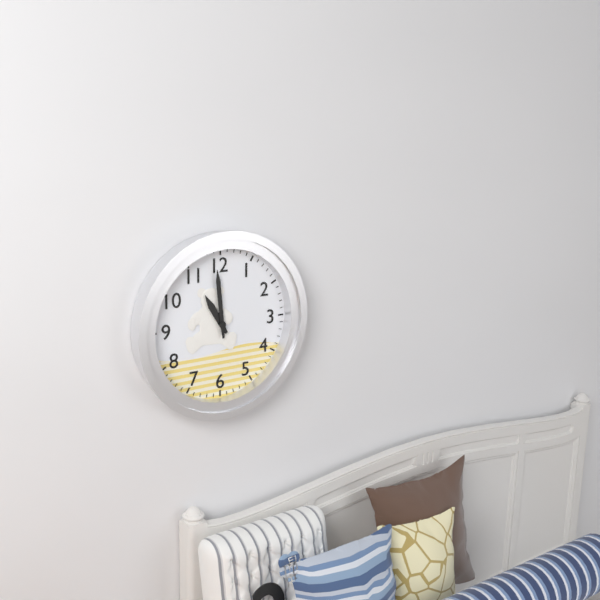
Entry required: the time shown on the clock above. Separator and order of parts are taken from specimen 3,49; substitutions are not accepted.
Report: 10,59
